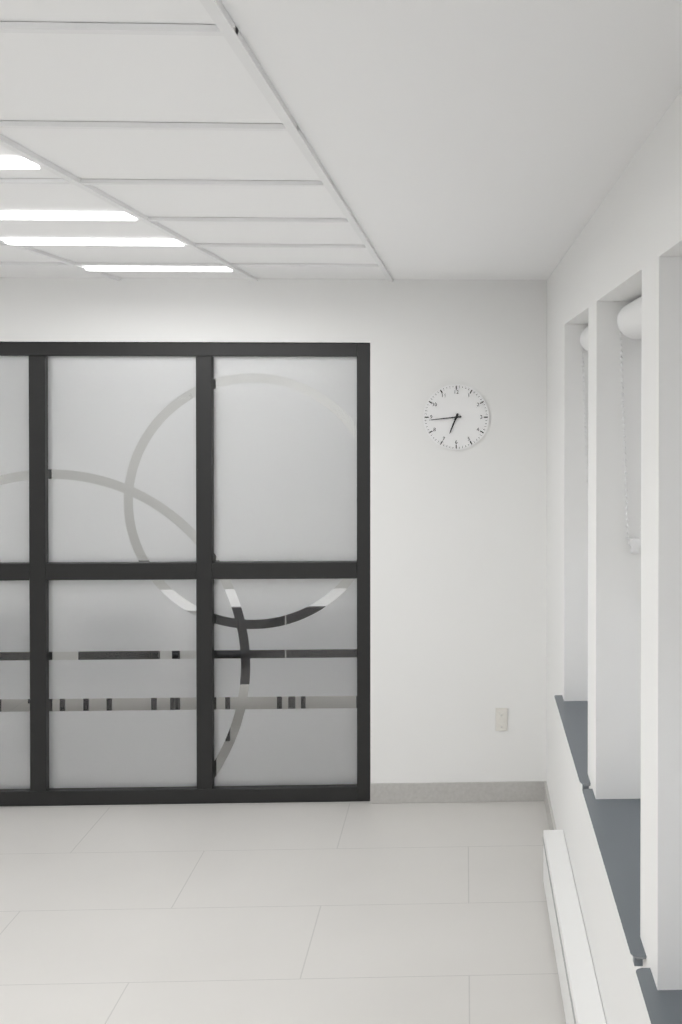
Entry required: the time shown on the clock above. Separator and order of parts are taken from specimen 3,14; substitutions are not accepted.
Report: 6,44
